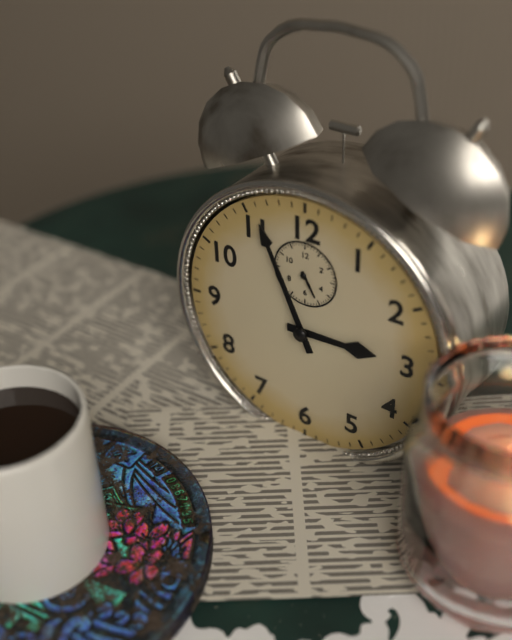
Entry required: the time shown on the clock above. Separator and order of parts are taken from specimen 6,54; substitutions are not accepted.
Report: 2,56
